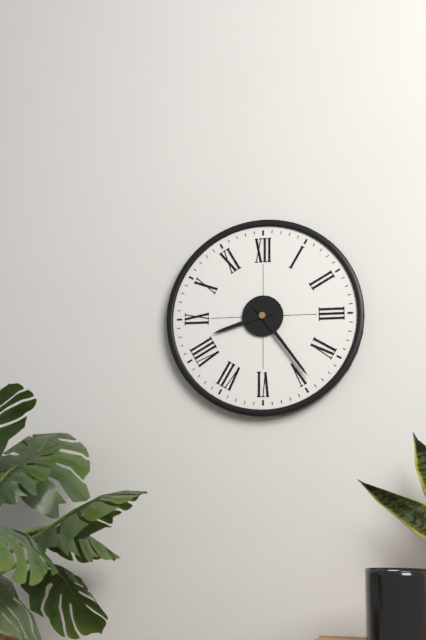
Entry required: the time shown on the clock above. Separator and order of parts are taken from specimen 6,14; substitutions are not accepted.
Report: 8,24
